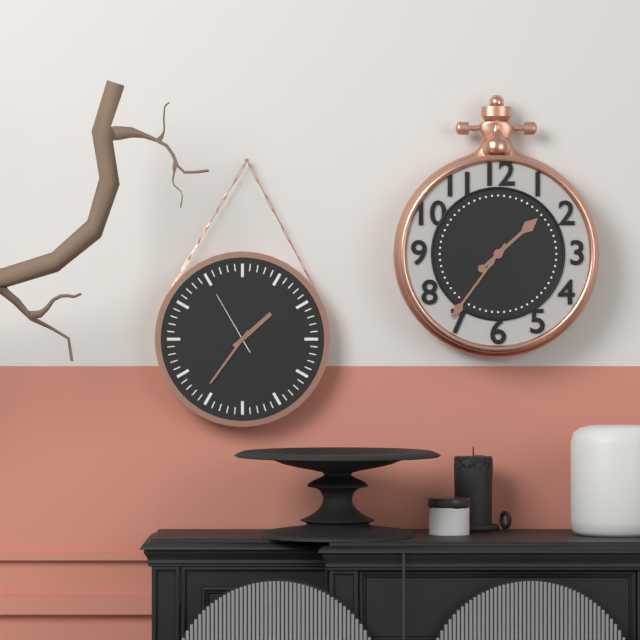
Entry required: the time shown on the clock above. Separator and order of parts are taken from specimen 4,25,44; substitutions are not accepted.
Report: 1,36,55
